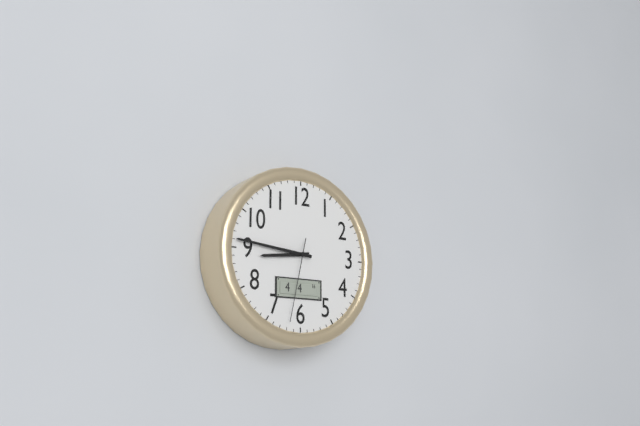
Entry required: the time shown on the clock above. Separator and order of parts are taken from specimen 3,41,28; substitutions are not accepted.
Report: 8,46,32
